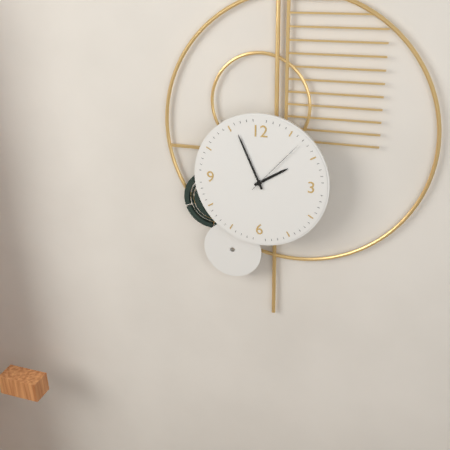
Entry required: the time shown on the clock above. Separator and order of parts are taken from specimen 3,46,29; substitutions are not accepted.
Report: 1,56,07
